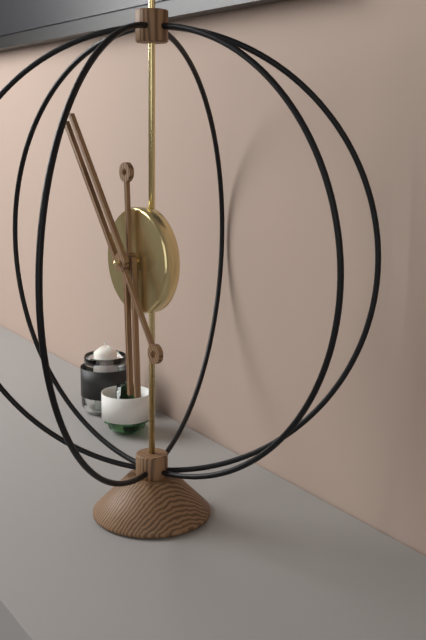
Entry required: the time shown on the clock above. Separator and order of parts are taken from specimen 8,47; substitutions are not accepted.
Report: 5,54
